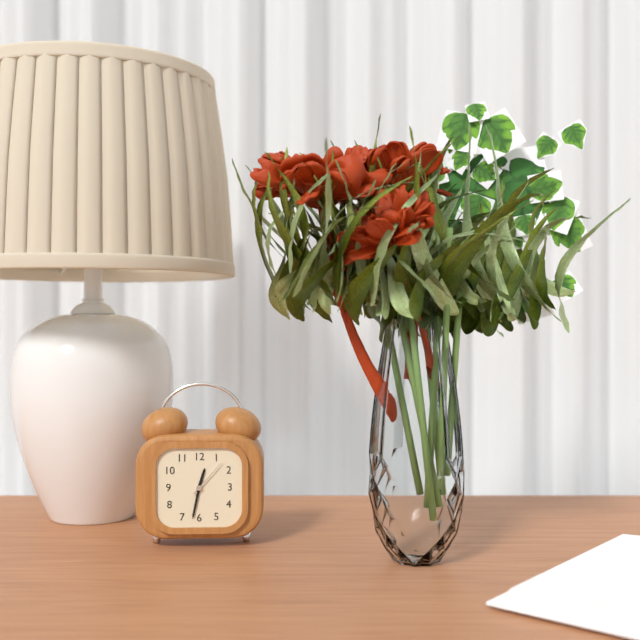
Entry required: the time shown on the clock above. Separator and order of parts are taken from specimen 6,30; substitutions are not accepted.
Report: 12,32
